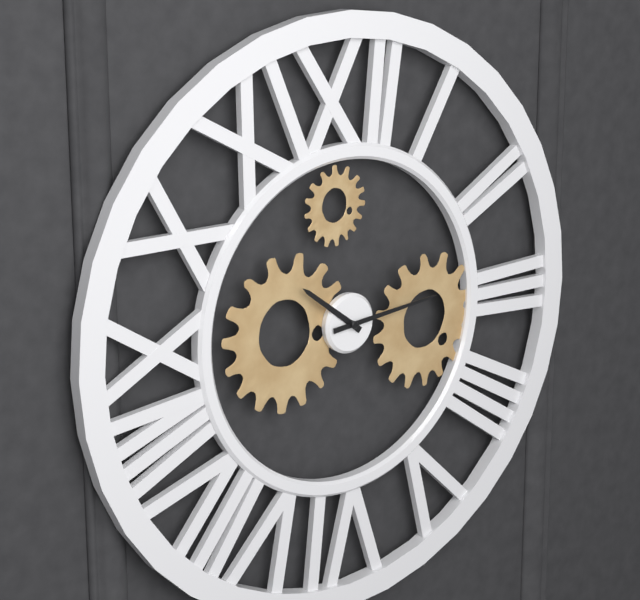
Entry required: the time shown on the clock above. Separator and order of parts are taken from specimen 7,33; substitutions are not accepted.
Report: 10,14
